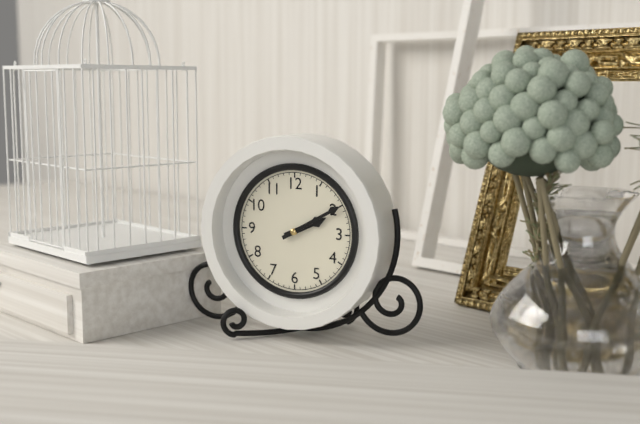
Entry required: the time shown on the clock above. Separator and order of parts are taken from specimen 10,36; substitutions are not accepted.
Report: 2,10
